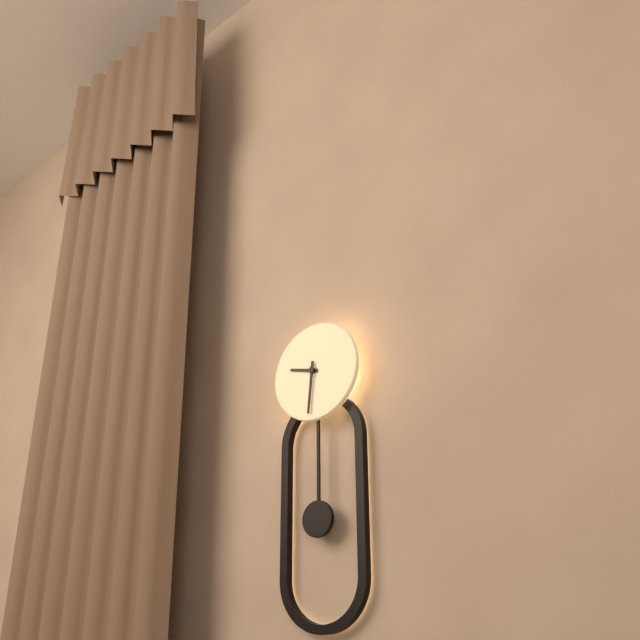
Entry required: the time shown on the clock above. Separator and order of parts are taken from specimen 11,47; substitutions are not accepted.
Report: 9,31
